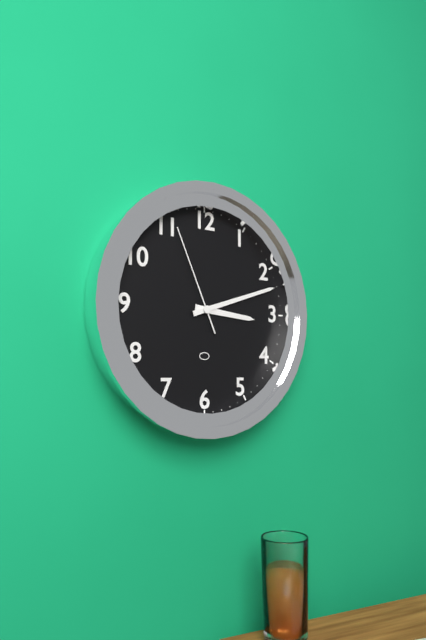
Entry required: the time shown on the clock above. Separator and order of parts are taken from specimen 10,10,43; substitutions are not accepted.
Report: 3,12,56
